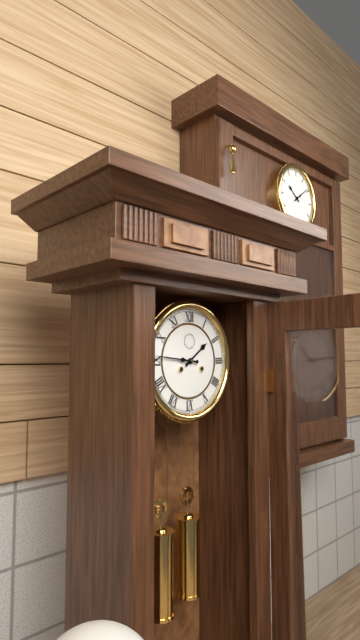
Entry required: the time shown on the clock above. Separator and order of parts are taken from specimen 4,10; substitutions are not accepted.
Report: 1,46
